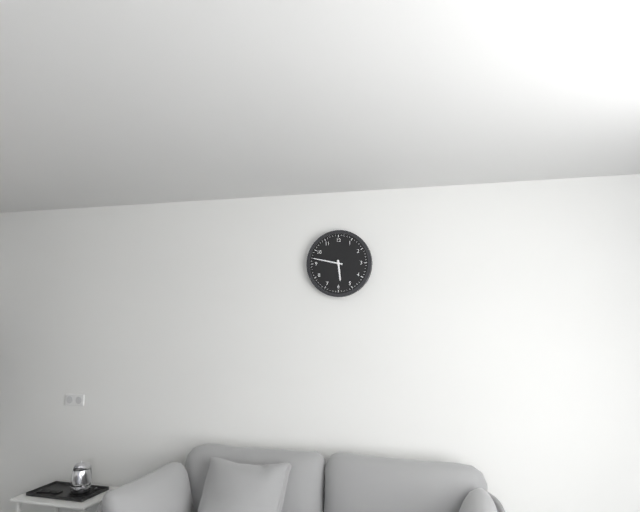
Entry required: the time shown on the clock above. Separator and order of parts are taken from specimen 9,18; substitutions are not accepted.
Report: 5,47
